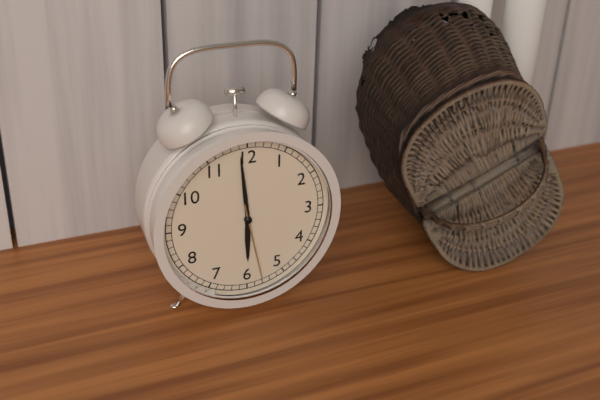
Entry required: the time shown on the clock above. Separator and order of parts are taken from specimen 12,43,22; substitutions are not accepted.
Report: 5,59,28
